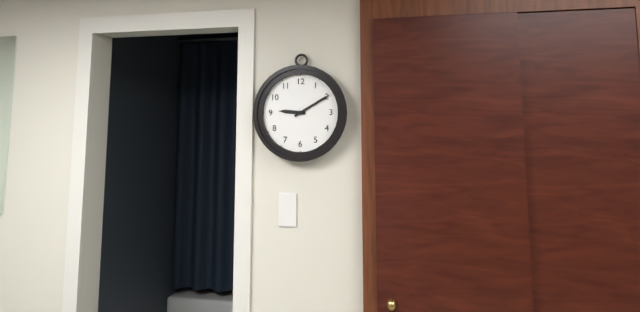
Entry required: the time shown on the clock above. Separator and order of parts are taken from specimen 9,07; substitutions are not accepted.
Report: 9,10
